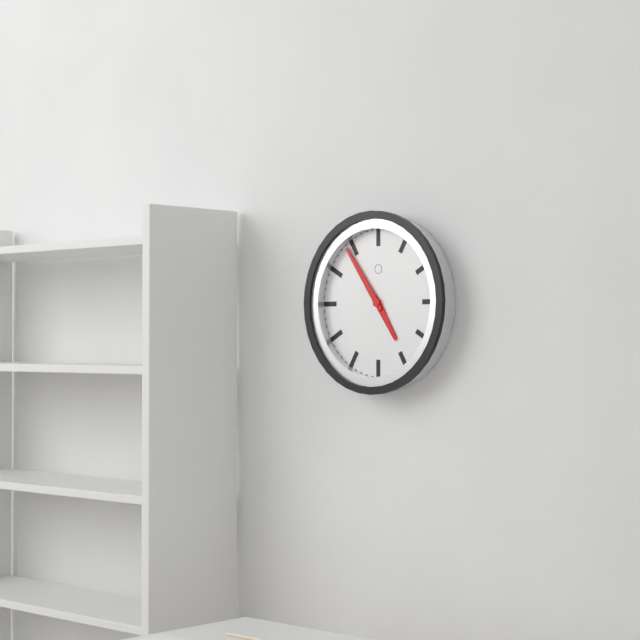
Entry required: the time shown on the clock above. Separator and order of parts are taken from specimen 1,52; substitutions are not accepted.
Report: 4,54
